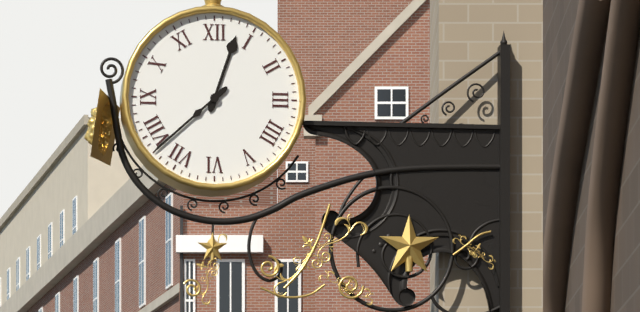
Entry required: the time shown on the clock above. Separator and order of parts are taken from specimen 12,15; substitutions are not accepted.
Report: 12,38
